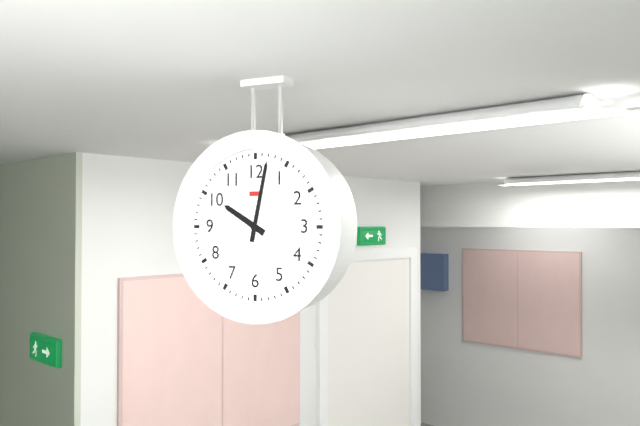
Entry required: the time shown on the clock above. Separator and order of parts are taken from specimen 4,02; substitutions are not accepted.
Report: 10,02
